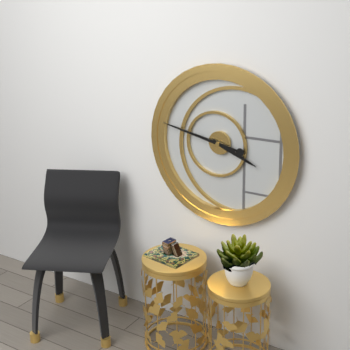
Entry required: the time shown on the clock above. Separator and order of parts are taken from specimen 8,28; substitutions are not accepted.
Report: 3,47
